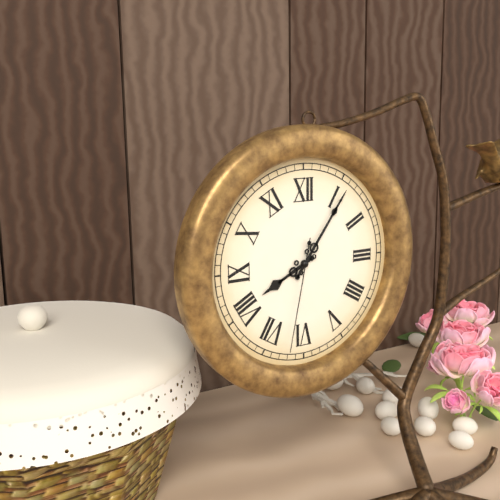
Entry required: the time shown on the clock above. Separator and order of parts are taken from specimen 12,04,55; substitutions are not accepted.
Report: 8,06,32
